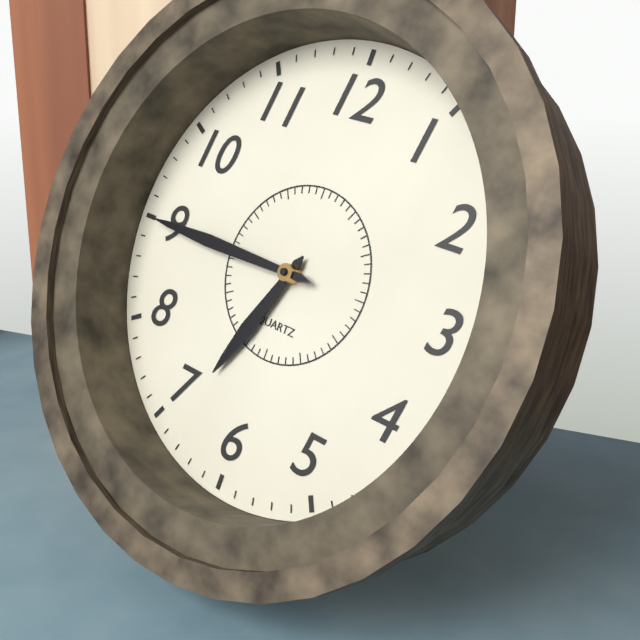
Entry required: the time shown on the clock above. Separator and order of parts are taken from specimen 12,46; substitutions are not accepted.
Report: 6,45
